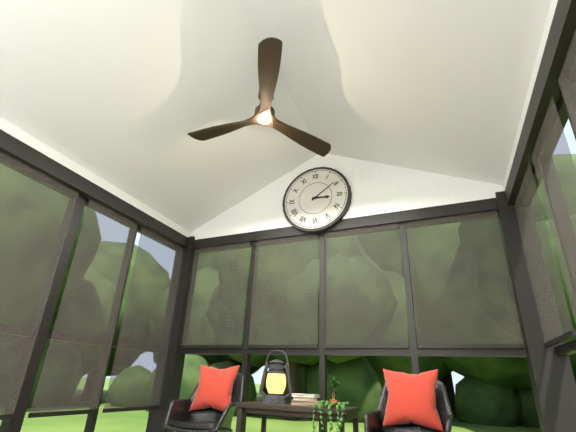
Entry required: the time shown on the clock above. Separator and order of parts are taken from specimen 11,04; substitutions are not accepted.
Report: 3,09
